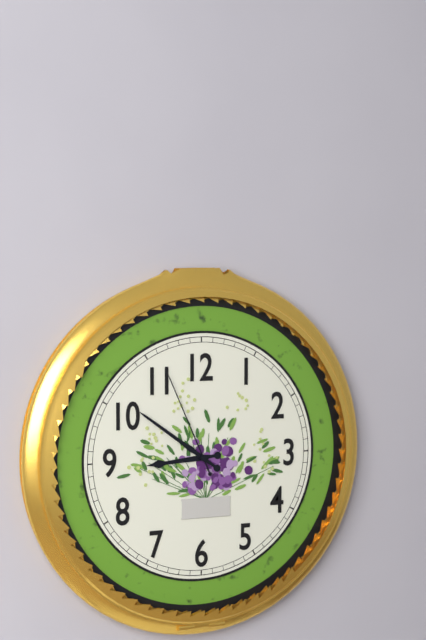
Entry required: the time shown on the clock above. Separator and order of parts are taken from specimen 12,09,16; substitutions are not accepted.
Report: 8,51,56
